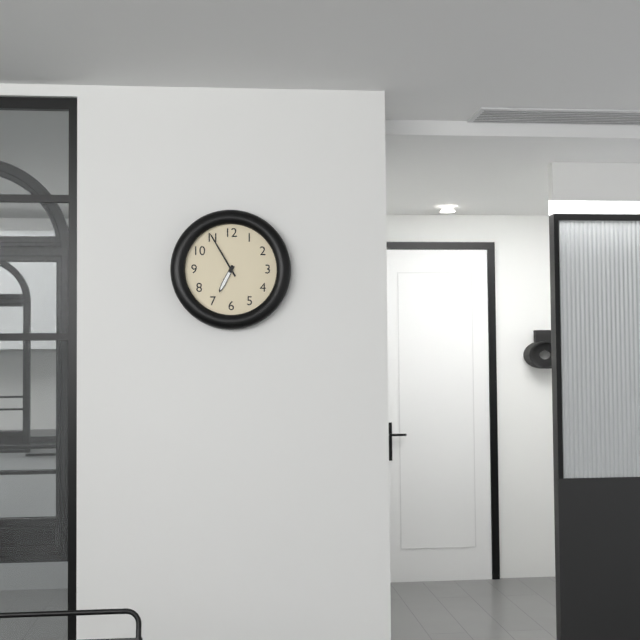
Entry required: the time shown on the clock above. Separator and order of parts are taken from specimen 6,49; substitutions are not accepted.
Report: 6,55
